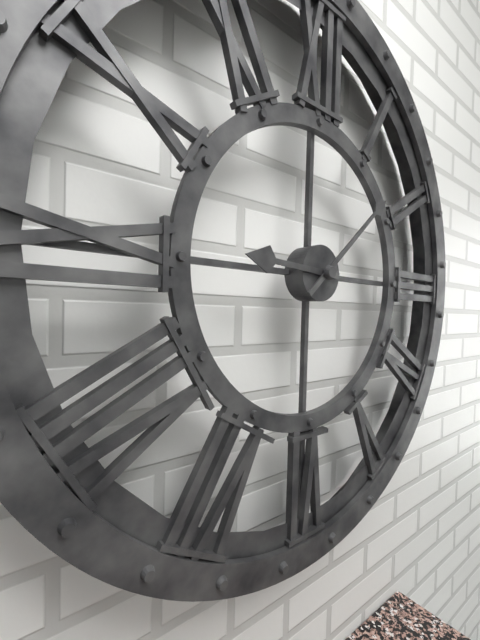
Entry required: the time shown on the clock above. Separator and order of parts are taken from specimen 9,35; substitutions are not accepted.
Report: 9,08
